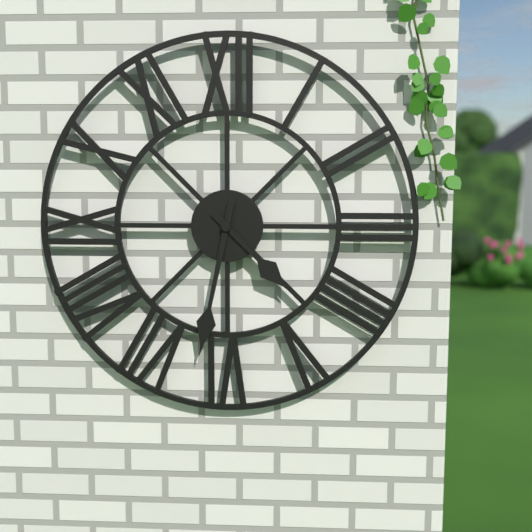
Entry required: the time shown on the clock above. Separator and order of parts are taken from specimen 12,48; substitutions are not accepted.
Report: 4,32
